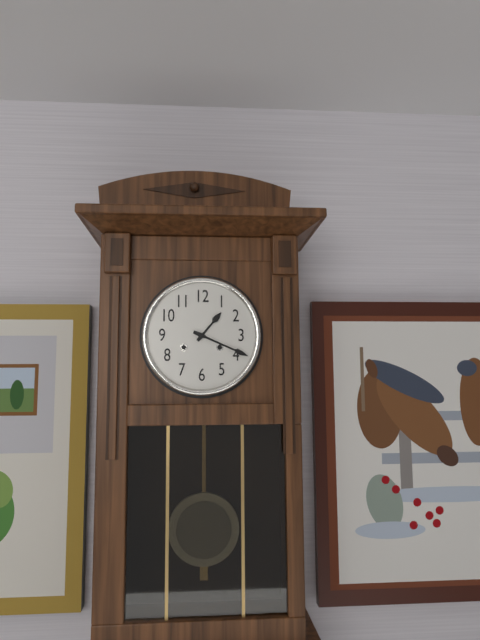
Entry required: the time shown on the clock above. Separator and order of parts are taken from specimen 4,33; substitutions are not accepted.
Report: 1,19
